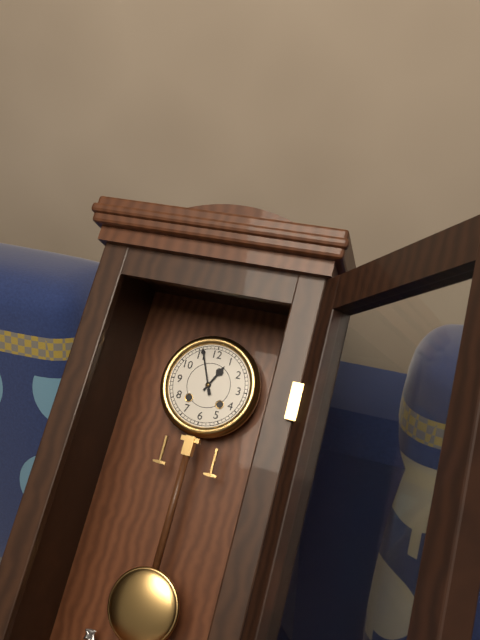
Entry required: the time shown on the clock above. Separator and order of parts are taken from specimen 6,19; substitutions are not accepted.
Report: 12,56
